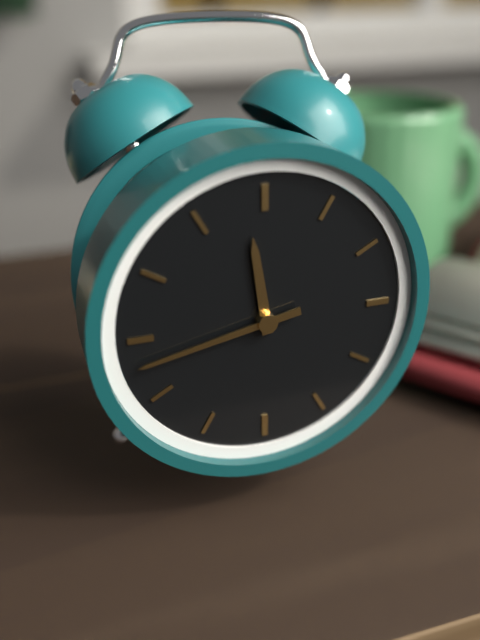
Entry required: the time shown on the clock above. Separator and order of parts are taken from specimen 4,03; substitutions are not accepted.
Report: 11,43
